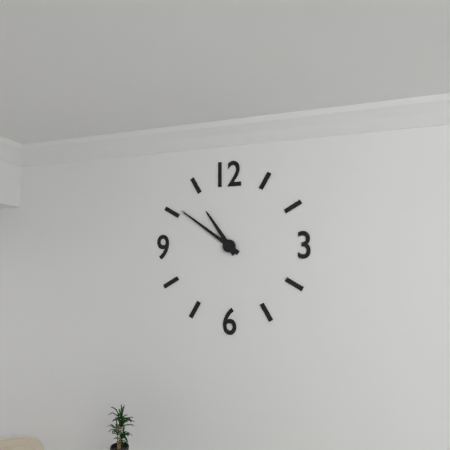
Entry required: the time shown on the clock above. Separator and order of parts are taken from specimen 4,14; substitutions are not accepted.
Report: 10,51
